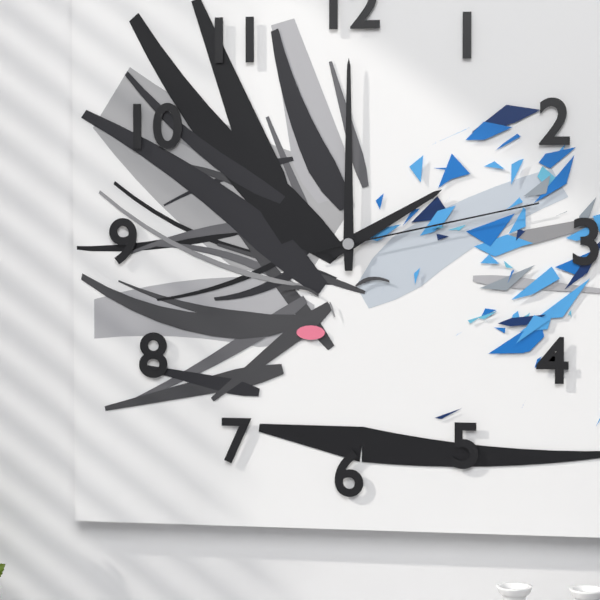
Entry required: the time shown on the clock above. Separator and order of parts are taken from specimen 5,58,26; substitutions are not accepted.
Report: 2,00,13
